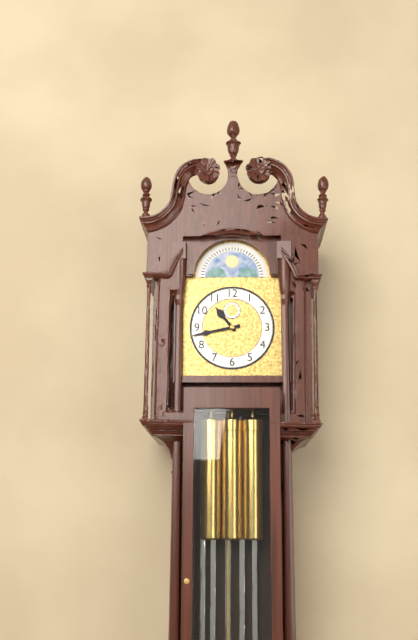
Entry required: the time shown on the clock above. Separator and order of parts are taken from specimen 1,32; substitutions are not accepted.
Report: 10,43
